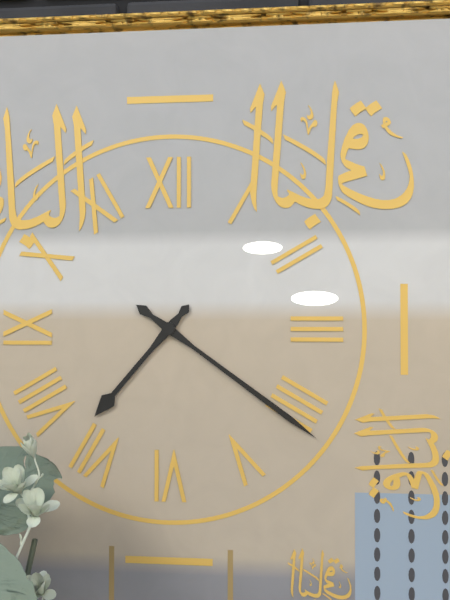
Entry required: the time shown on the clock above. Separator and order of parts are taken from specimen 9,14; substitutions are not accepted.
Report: 7,21
